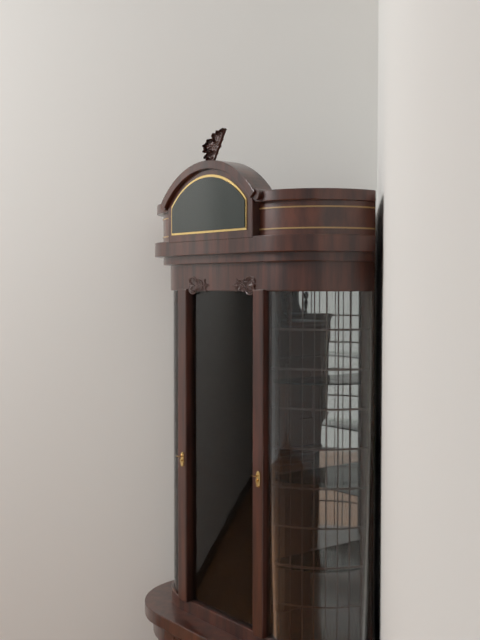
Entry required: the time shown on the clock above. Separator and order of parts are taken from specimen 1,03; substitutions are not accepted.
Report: 12,17
